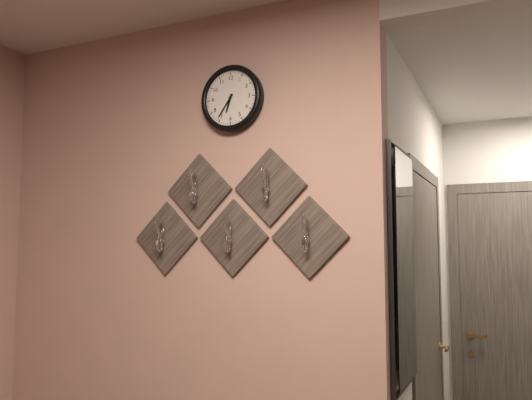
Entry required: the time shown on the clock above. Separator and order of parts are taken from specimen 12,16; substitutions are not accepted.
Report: 6,36
